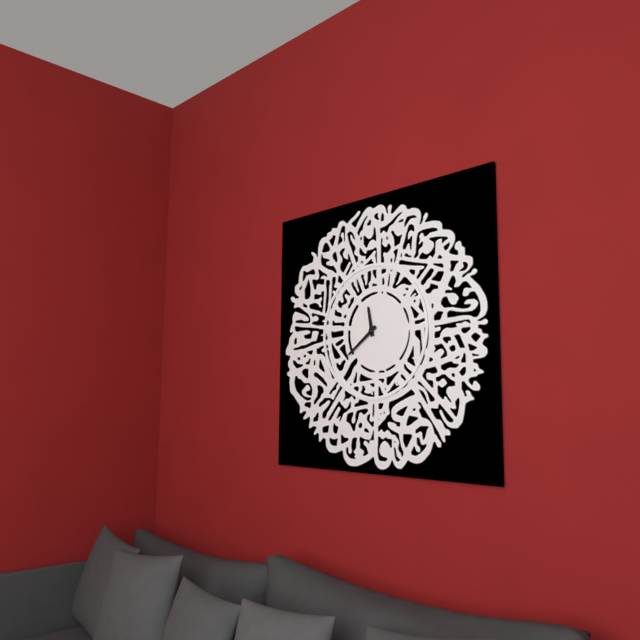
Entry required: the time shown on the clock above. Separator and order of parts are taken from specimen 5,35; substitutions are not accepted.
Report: 11,39
